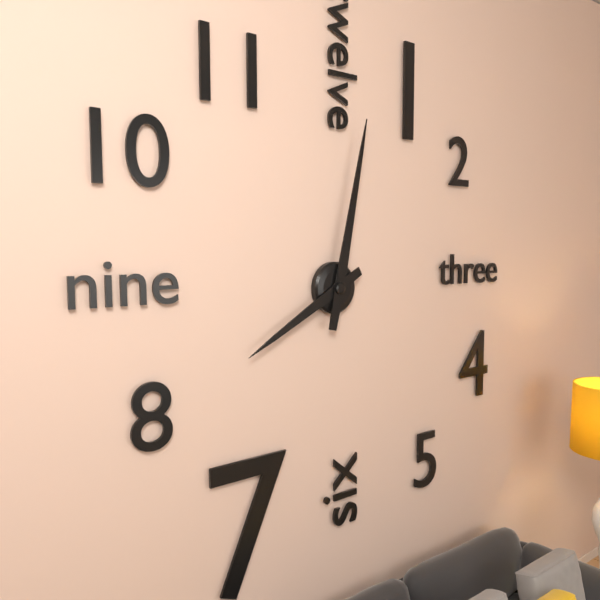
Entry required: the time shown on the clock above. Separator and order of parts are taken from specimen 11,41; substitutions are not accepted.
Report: 8,02
